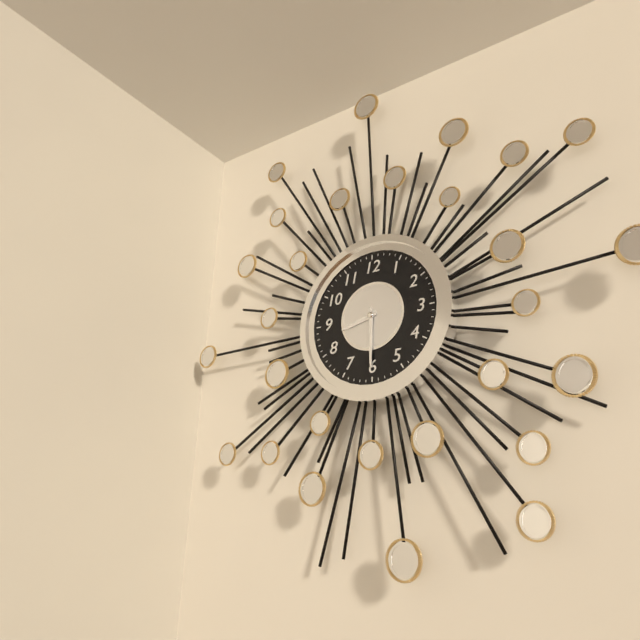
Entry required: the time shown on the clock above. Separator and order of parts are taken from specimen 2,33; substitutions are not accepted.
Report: 8,30
